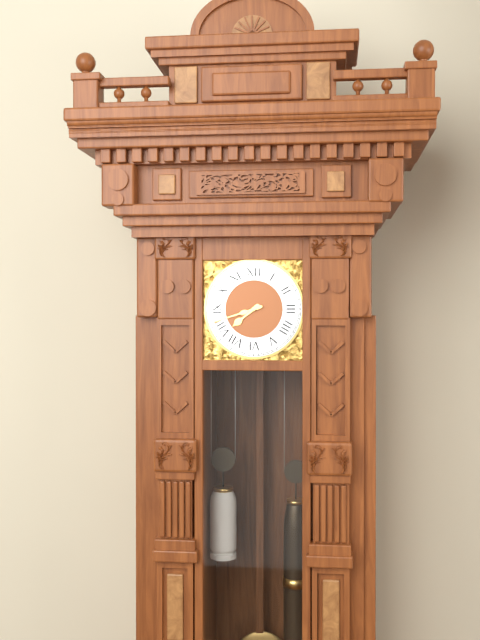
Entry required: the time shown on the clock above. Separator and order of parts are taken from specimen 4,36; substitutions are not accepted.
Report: 7,42
